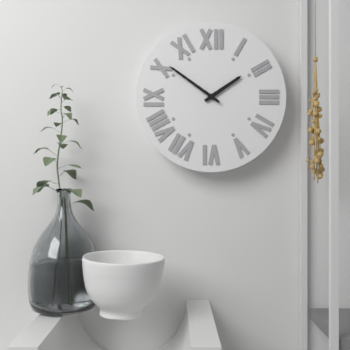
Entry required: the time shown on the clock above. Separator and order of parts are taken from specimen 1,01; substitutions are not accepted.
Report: 1,51
